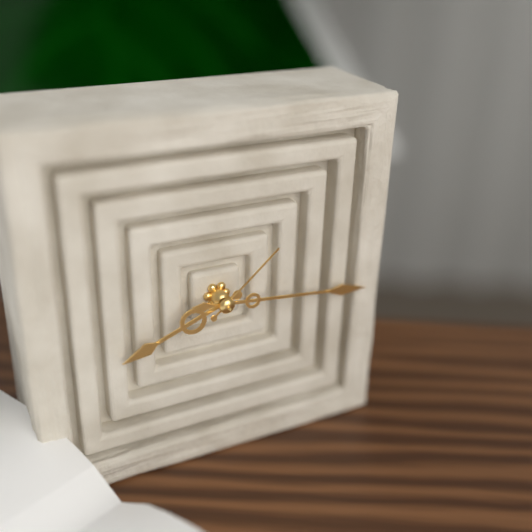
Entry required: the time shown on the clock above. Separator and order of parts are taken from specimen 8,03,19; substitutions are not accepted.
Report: 8,16,08
